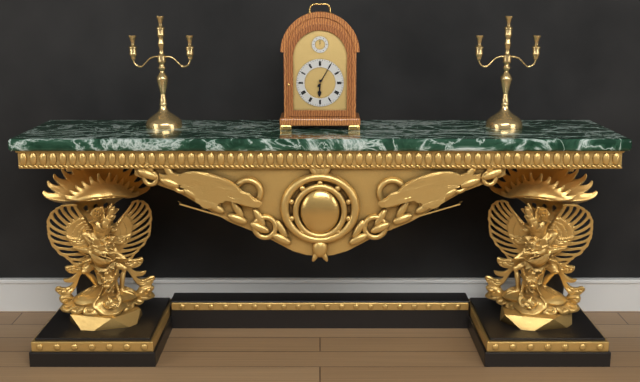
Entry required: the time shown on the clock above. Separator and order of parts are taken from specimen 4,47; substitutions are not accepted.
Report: 6,05
